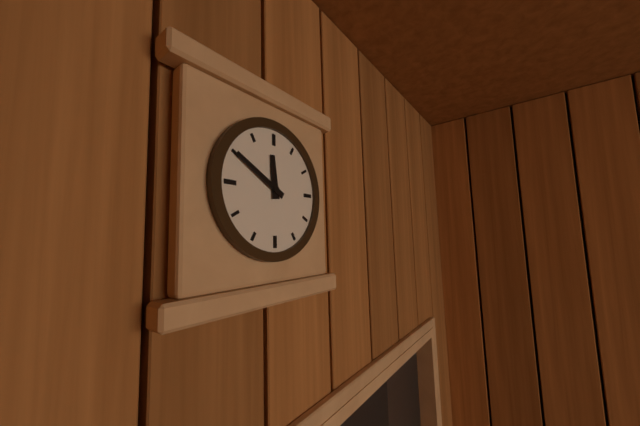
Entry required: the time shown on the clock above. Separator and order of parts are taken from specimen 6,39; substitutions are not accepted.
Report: 11,50
